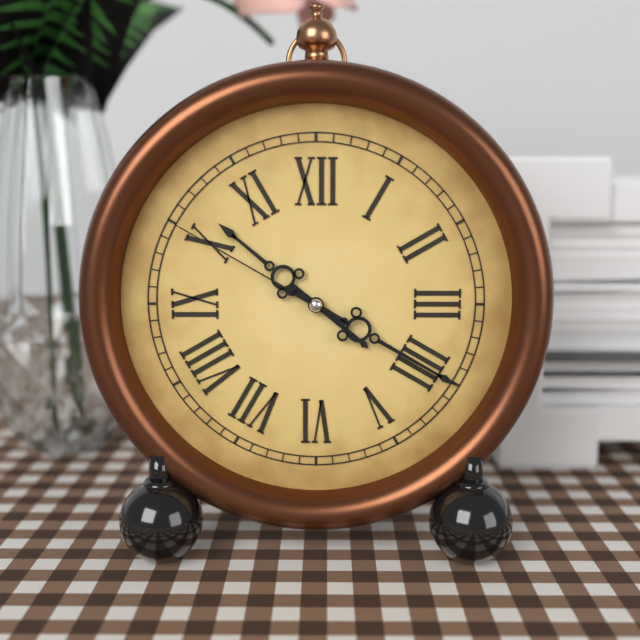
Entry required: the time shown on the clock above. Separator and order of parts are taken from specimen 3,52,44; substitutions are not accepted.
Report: 10,20,50
